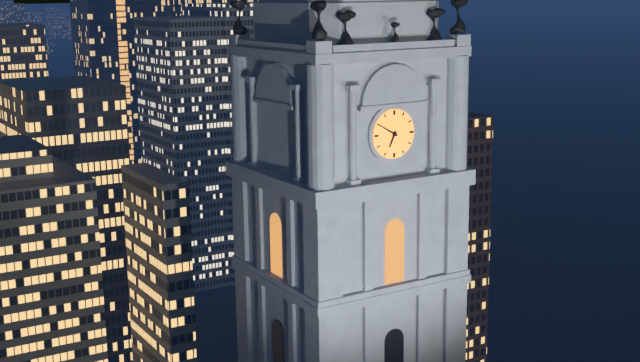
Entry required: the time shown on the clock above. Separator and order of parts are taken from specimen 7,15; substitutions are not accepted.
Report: 6,50
